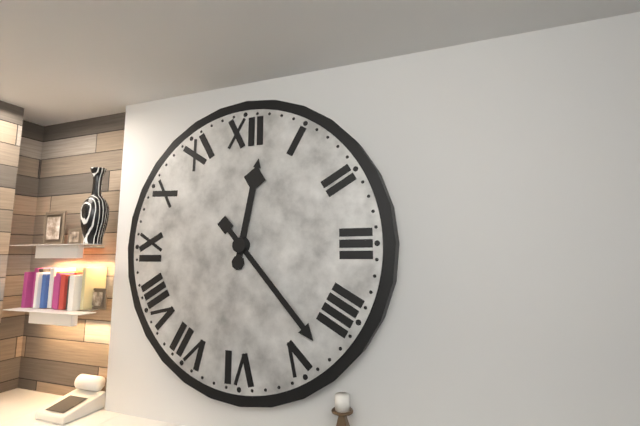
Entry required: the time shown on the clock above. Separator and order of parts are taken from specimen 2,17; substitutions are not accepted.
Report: 12,23
